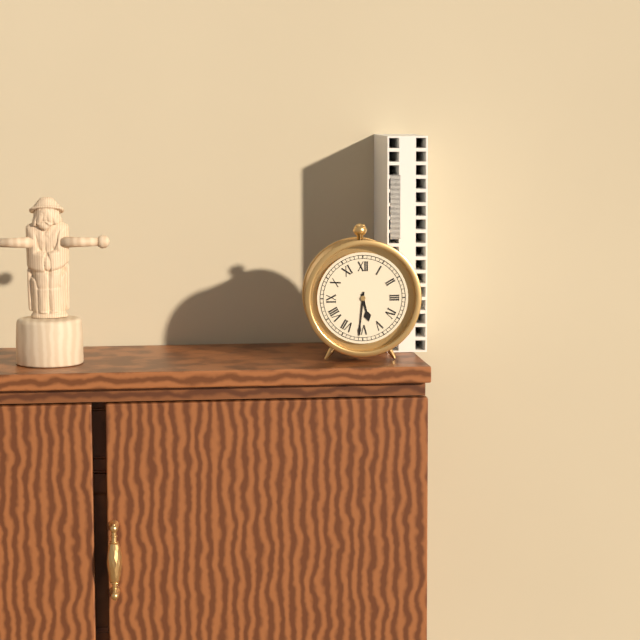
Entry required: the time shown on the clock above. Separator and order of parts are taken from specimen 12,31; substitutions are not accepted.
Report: 5,31
